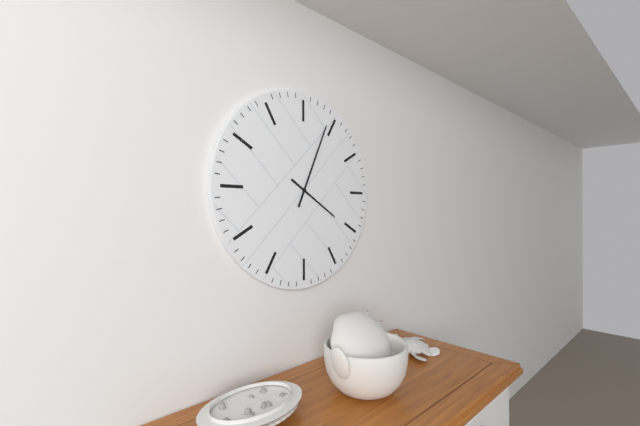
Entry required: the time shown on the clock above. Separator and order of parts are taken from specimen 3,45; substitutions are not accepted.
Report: 4,04
